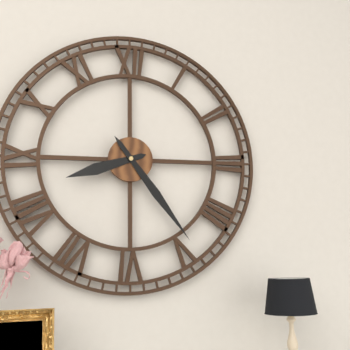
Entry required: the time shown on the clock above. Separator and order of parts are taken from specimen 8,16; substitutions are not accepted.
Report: 8,24
